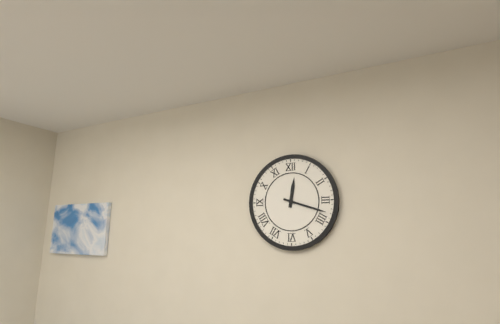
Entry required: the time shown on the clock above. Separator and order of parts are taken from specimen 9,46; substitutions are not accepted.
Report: 12,18
